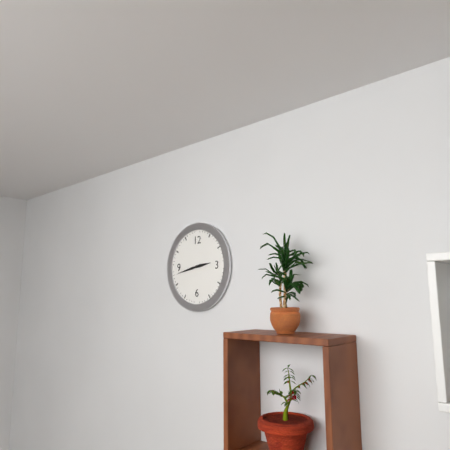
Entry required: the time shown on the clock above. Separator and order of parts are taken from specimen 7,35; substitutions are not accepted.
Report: 2,43
